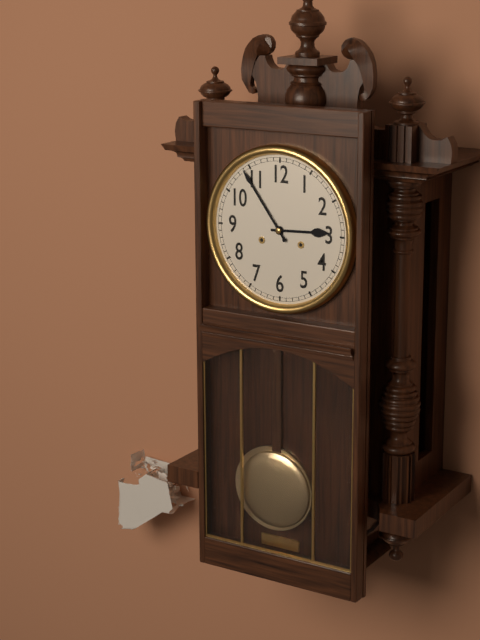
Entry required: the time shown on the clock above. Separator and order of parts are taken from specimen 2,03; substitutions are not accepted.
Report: 2,54
